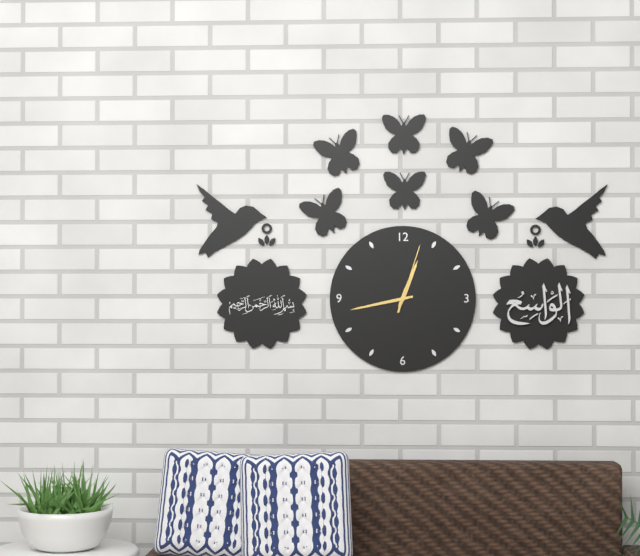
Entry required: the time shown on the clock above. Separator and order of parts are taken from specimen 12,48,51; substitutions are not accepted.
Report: 12,43,03
